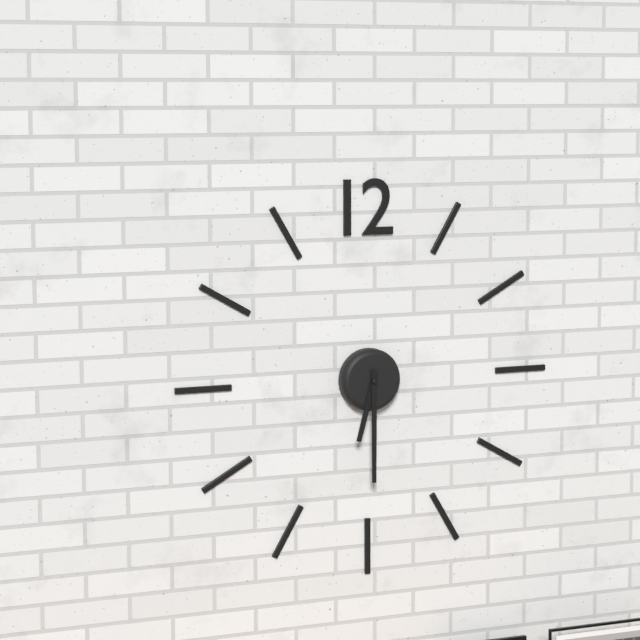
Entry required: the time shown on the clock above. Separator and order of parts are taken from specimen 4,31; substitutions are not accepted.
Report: 6,30
